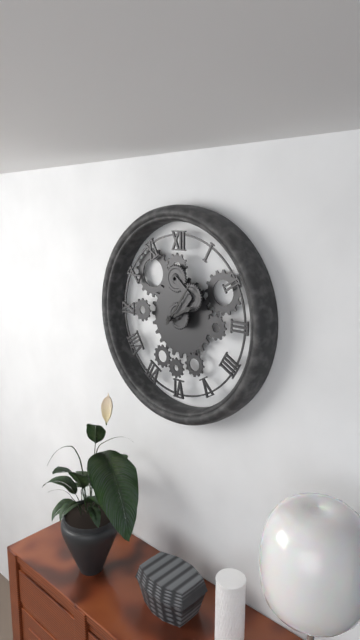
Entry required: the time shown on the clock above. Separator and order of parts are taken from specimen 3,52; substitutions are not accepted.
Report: 2,06
